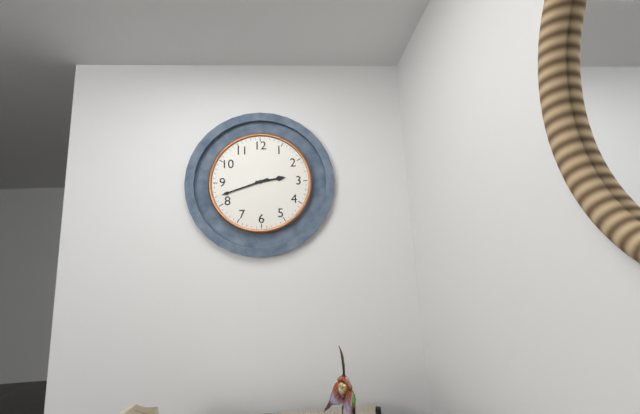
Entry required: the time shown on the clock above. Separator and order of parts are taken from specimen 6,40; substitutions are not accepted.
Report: 2,42
